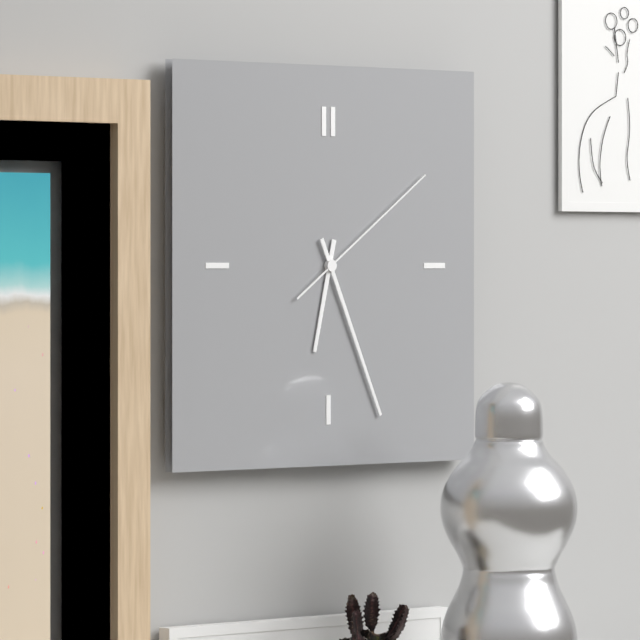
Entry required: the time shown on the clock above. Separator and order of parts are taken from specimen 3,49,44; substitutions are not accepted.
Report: 6,26,09
